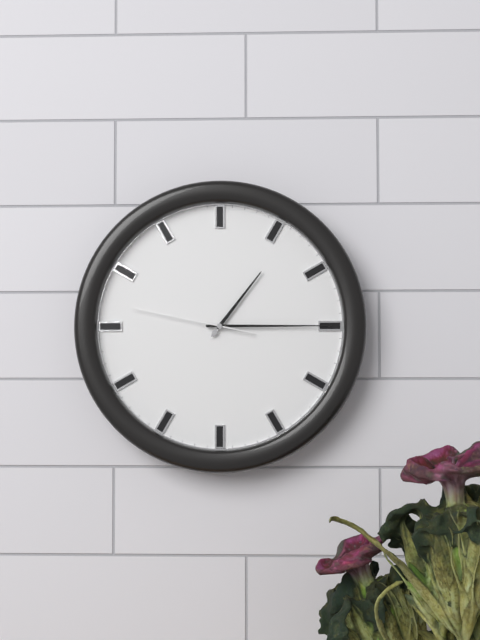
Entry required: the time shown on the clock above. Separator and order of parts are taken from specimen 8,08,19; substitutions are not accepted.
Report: 1,15,47
